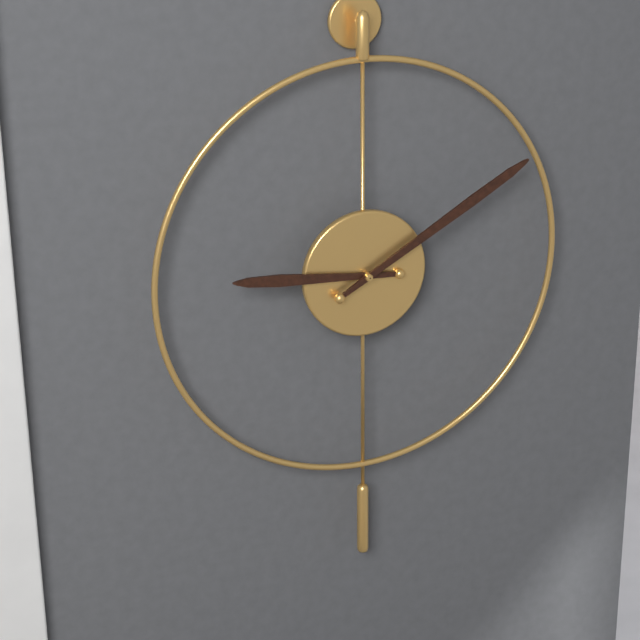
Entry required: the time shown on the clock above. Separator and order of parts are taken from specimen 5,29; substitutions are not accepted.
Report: 9,10
